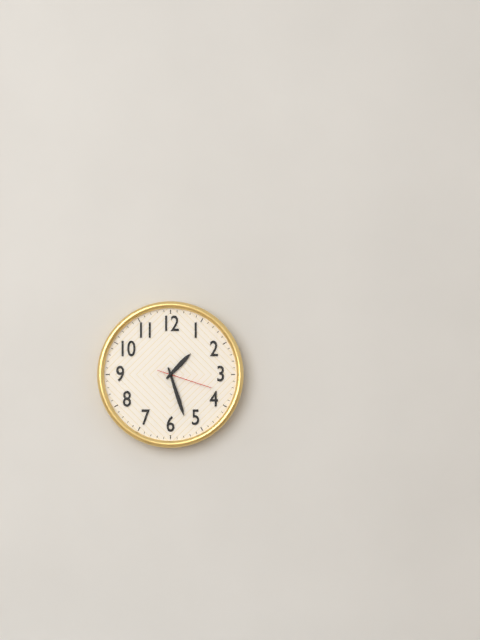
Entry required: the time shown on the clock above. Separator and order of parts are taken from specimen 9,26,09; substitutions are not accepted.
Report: 1,27,18
